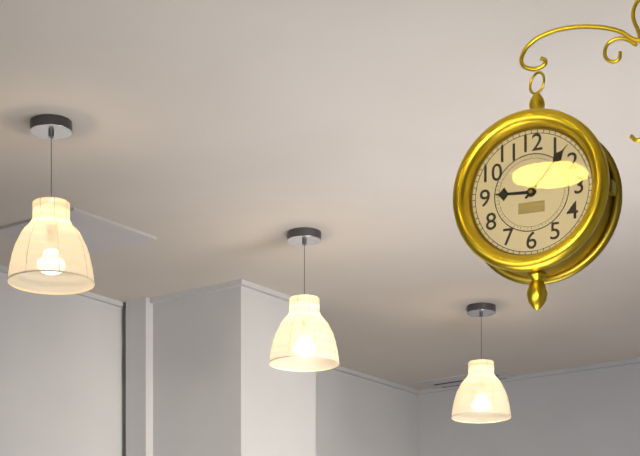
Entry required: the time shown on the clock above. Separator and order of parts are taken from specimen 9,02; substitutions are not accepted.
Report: 9,07
